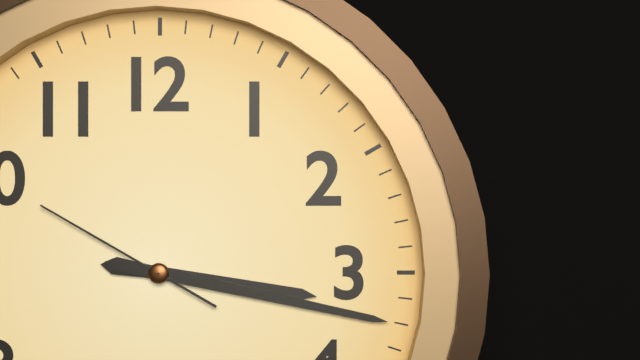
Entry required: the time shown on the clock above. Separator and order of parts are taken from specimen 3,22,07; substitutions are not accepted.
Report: 3,17,50
